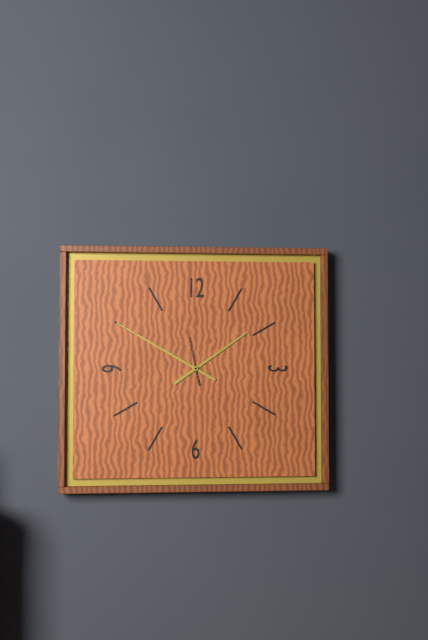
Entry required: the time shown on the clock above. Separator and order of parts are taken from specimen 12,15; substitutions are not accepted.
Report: 1,50
